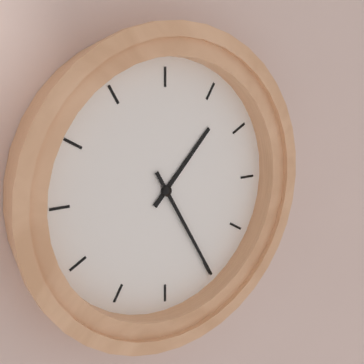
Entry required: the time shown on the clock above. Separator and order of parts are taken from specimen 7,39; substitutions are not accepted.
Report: 1,25
